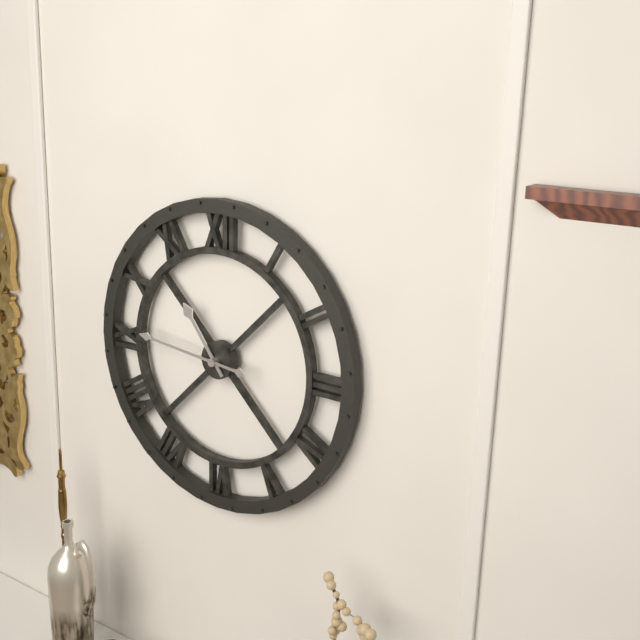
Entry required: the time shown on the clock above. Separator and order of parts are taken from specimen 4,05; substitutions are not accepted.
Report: 10,46
